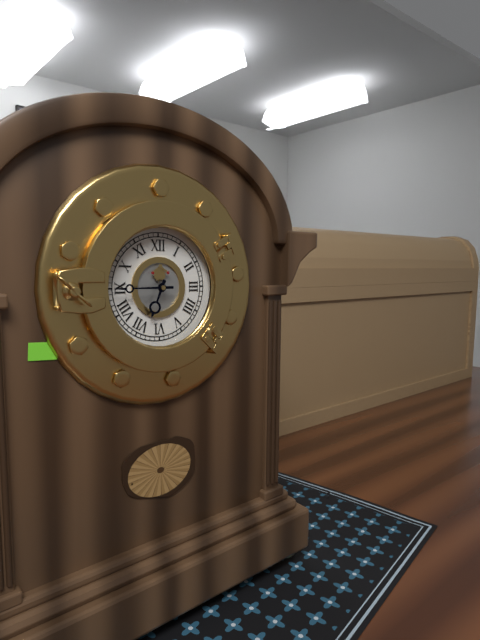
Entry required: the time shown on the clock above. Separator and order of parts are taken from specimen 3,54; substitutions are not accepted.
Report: 6,45
